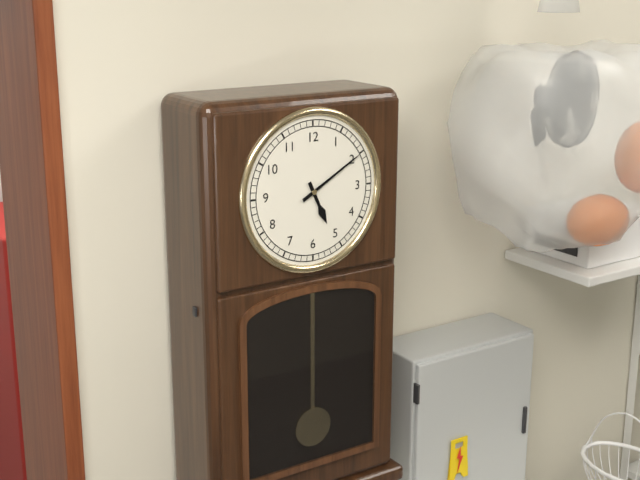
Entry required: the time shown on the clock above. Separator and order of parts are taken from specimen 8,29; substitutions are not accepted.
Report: 5,10
